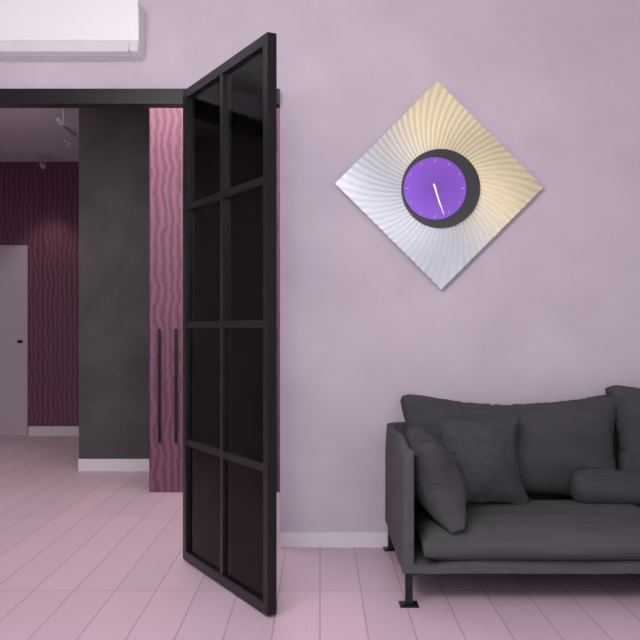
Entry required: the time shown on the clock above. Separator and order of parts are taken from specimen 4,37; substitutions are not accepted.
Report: 5,27
